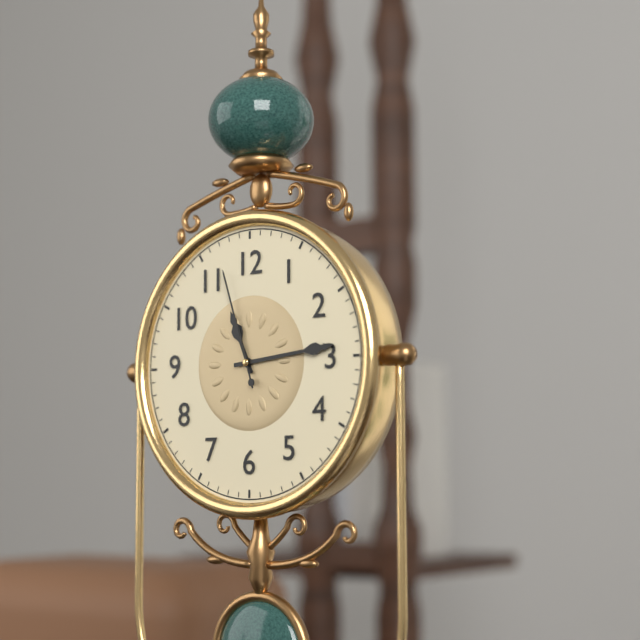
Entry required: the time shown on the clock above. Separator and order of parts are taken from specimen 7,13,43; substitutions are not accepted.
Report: 11,14,57
